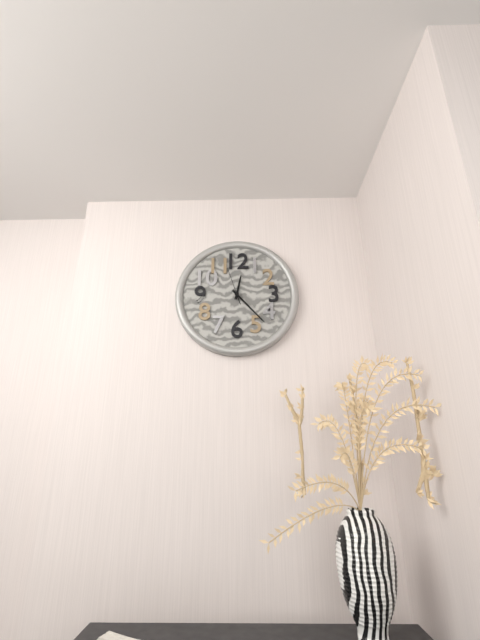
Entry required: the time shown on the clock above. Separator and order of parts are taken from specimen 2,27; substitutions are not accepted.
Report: 12,23
